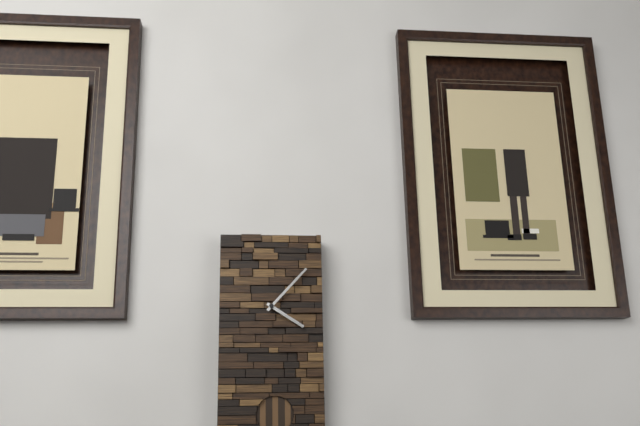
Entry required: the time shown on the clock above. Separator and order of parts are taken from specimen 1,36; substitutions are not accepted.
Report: 4,07
